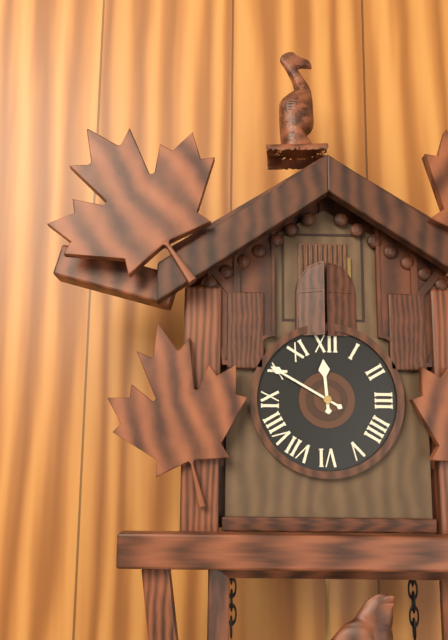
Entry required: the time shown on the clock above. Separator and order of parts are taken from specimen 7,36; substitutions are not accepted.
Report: 11,50
